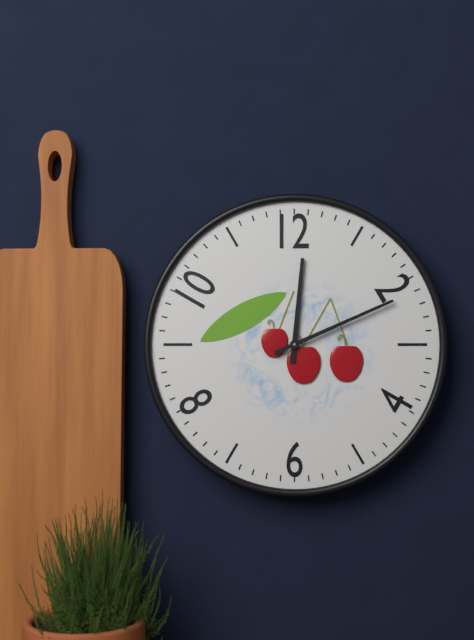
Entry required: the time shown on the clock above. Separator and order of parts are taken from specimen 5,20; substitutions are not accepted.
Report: 12,11
